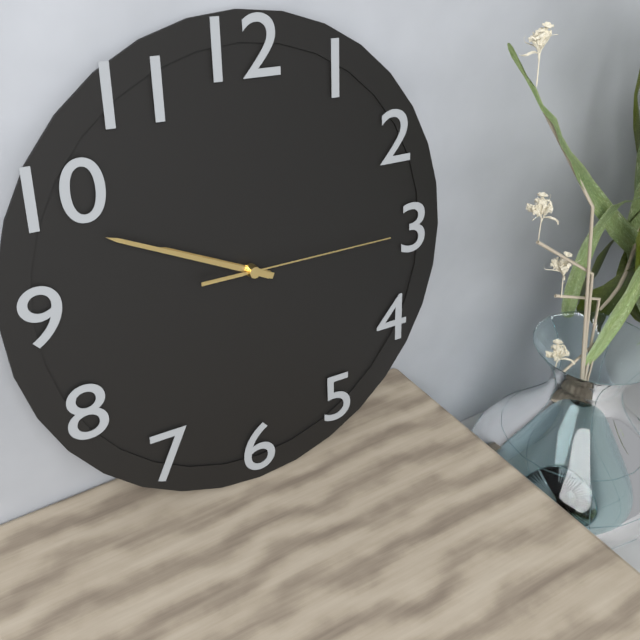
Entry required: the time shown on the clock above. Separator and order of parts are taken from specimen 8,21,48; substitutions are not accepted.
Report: 9,49,15
